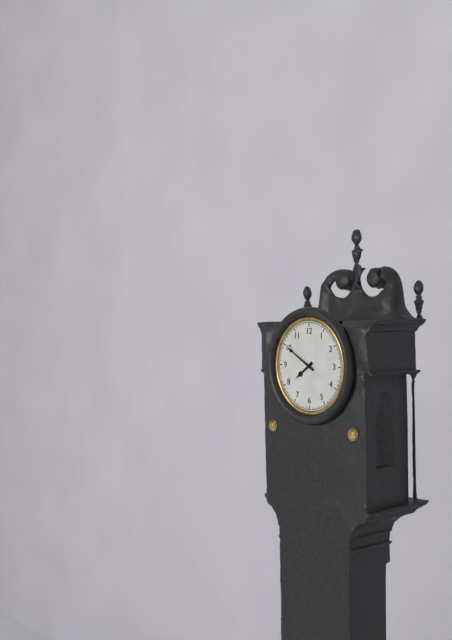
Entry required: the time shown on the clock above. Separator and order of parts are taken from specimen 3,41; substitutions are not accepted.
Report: 7,50
